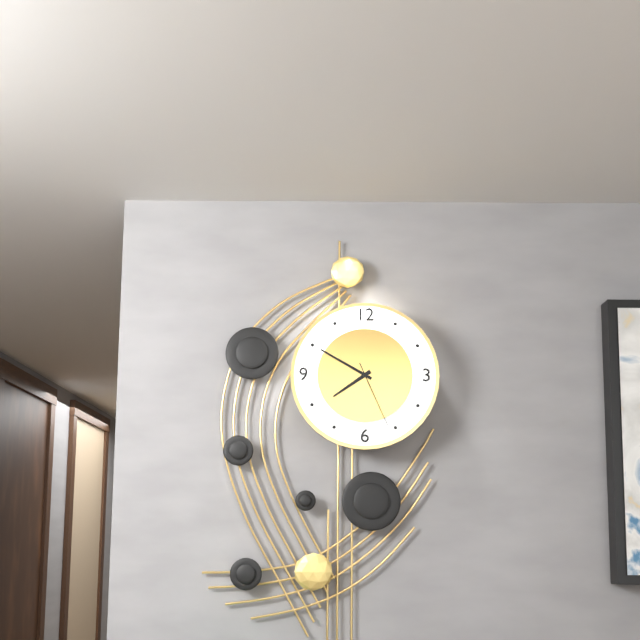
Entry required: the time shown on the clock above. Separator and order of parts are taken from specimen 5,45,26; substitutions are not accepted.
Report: 7,50,26
